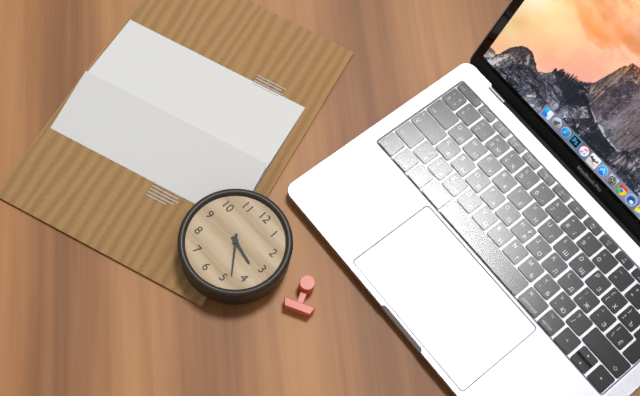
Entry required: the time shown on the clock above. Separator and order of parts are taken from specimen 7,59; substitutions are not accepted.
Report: 3,23
